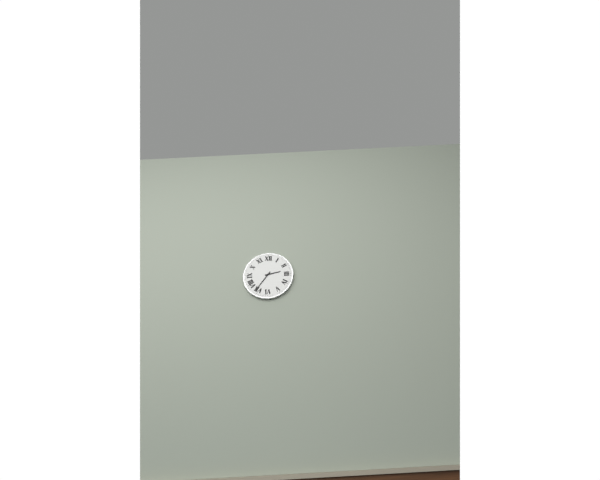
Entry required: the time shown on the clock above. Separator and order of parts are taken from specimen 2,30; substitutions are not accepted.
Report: 2,36
